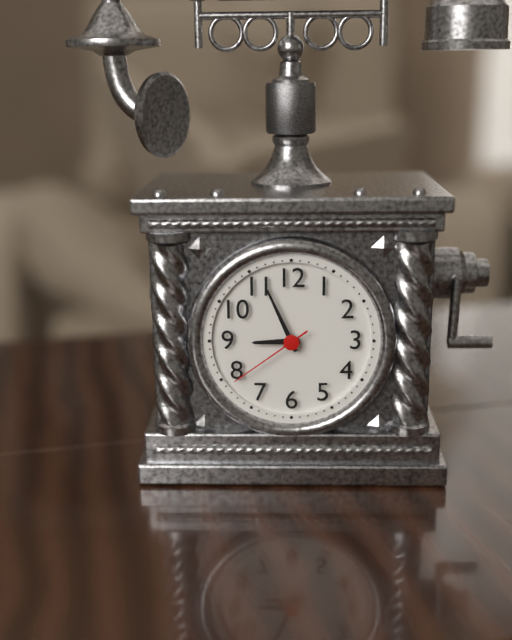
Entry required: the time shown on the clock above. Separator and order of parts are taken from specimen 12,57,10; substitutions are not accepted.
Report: 8,56,39
